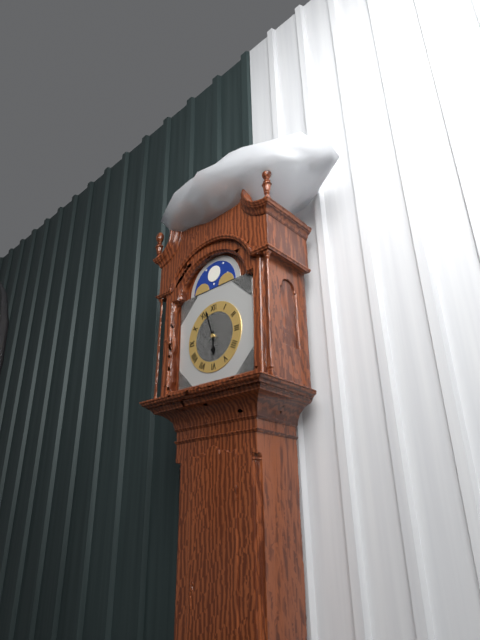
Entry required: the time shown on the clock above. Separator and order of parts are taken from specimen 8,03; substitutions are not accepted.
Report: 5,57
